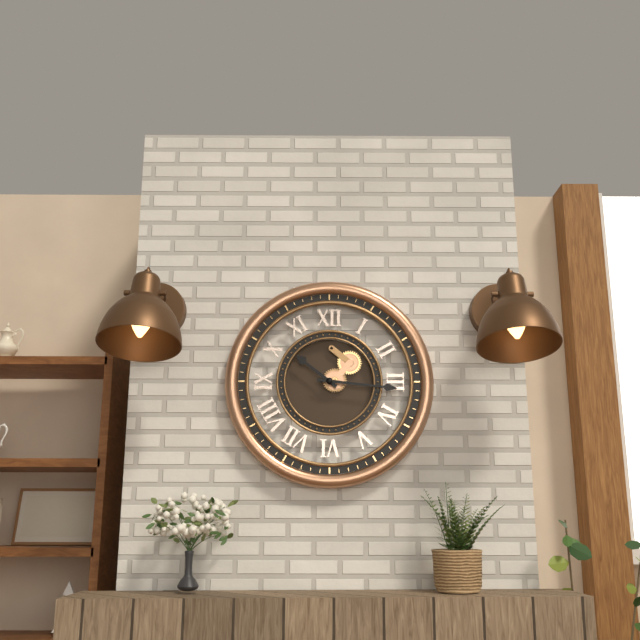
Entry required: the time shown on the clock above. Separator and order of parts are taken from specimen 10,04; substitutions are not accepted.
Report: 10,16
